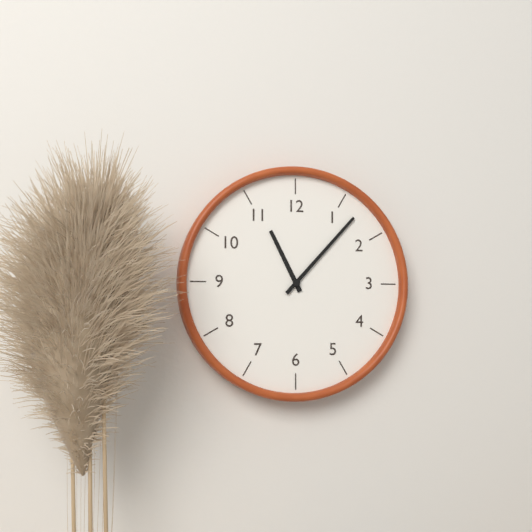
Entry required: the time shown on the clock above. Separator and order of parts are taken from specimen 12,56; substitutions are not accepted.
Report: 11,07
